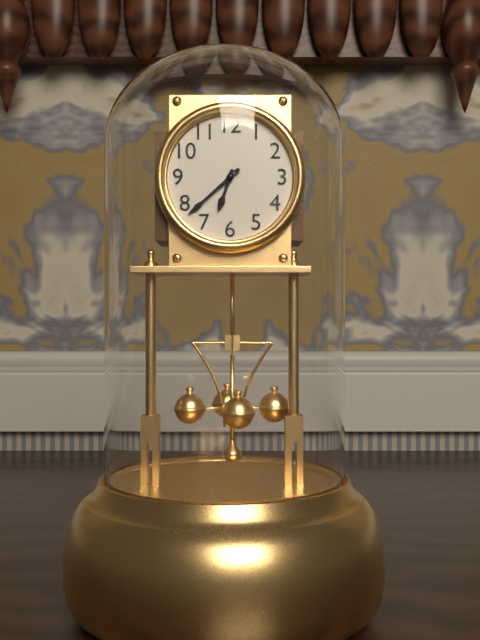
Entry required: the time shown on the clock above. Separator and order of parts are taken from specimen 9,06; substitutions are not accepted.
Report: 6,38
